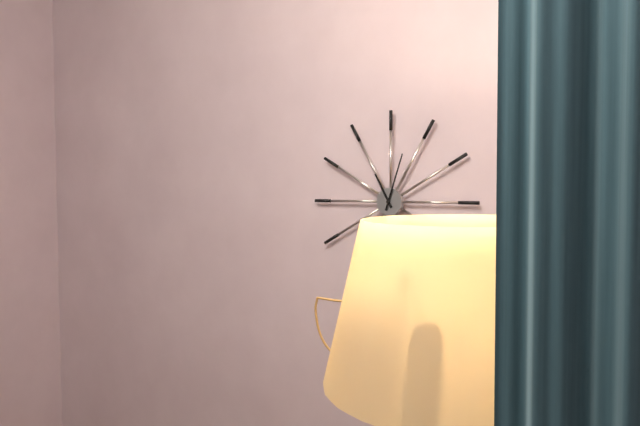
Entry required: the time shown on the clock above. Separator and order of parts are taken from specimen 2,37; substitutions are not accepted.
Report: 11,03
